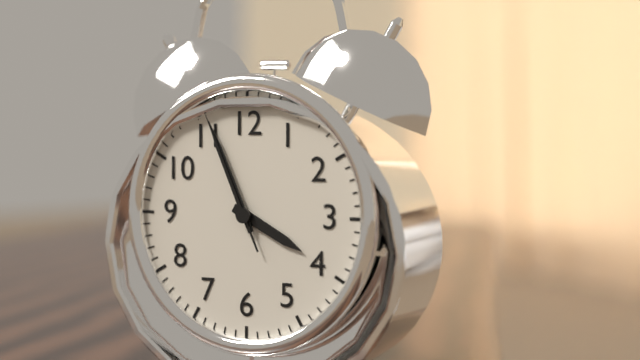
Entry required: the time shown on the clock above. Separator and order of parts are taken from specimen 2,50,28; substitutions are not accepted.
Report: 3,56,56
